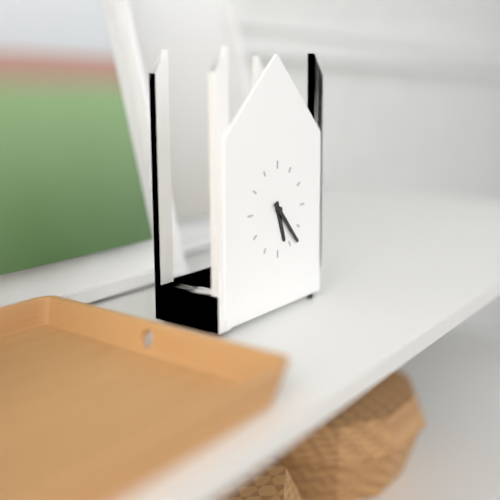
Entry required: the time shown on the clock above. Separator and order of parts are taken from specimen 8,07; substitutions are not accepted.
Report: 5,23
